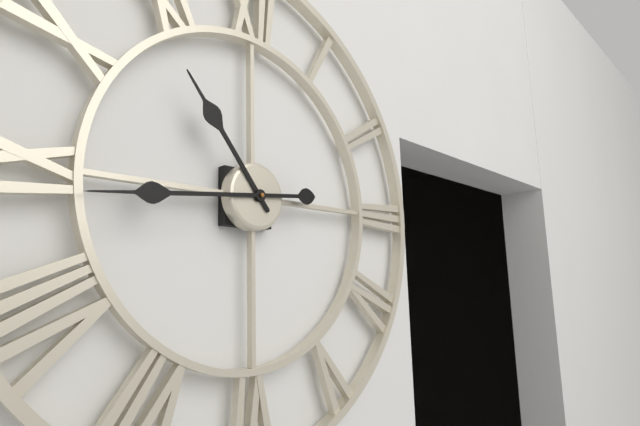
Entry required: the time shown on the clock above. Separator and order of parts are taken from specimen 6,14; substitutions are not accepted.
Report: 10,44
